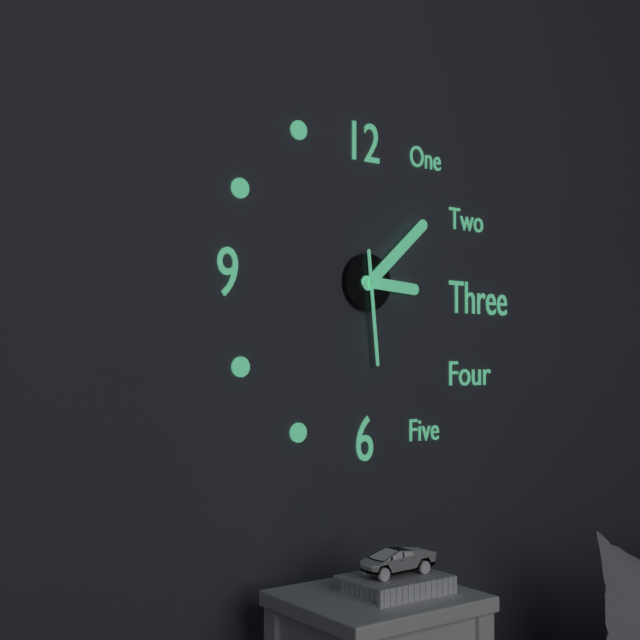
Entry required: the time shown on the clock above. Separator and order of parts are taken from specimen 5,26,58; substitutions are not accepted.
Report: 3,08,29
